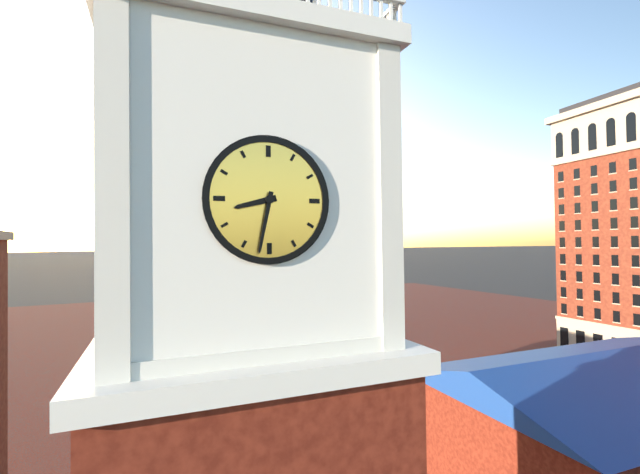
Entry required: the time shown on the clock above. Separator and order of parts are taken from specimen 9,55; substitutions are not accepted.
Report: 8,32
